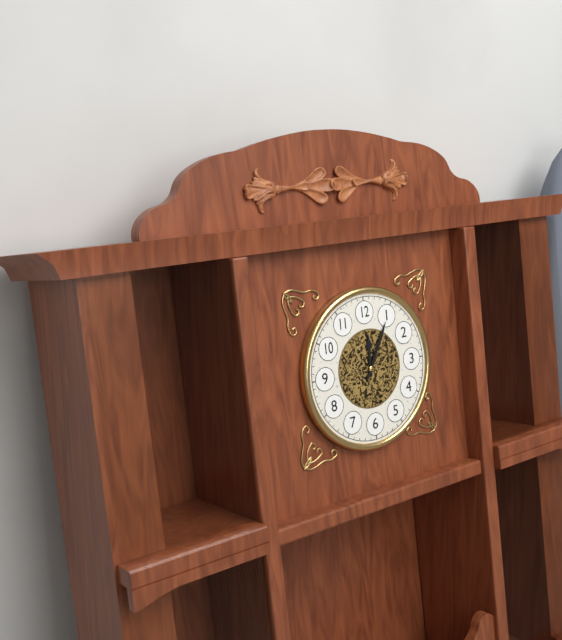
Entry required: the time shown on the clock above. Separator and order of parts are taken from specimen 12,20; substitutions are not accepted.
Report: 12,05
